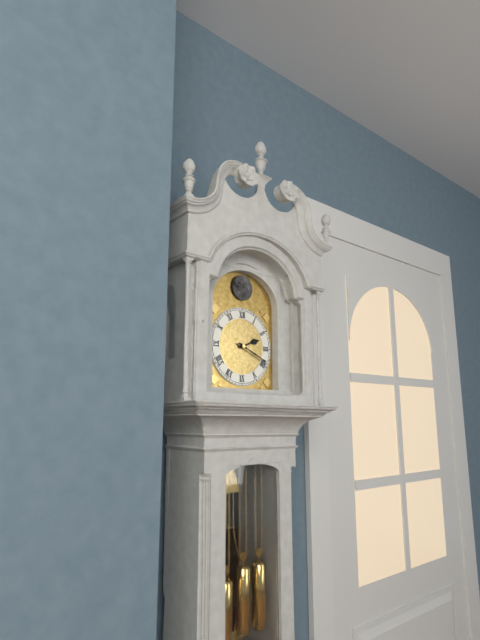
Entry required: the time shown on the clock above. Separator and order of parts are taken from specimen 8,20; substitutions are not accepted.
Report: 2,19
